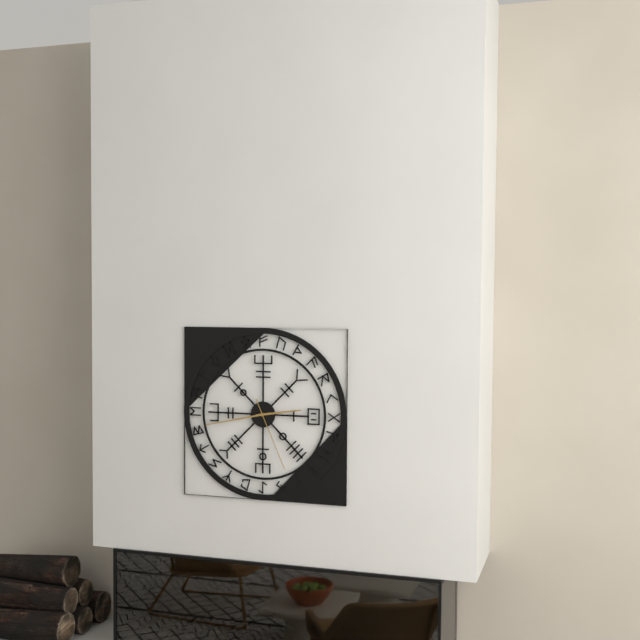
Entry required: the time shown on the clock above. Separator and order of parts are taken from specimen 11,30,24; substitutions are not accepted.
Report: 2,43,26
